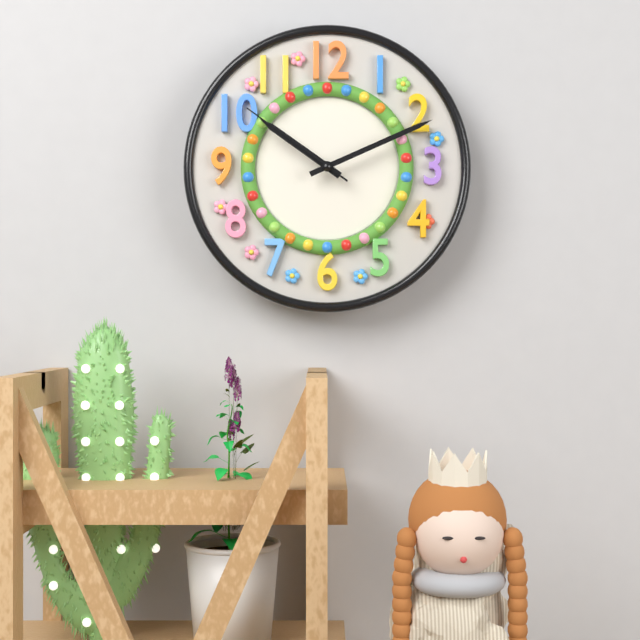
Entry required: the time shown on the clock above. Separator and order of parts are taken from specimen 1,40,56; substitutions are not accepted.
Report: 10,11,51
